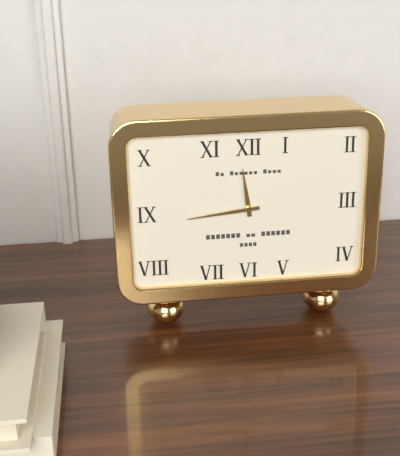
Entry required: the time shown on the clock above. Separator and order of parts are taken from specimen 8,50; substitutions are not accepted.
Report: 11,44
